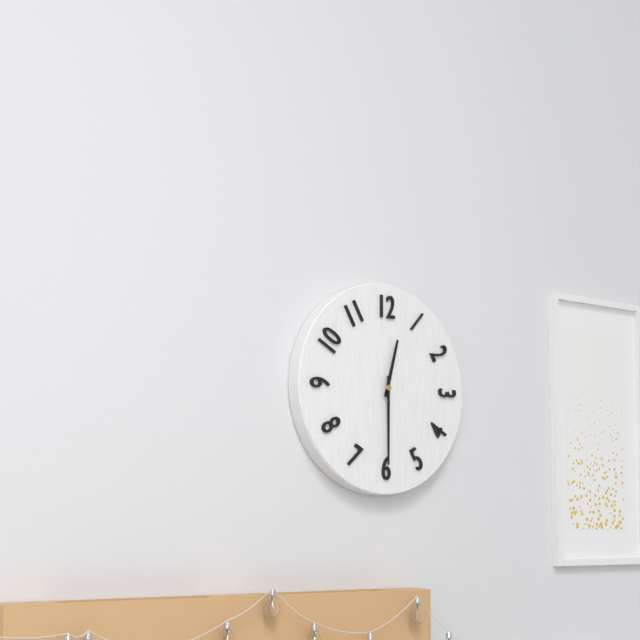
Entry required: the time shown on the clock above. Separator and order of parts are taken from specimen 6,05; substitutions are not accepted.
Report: 12,30
